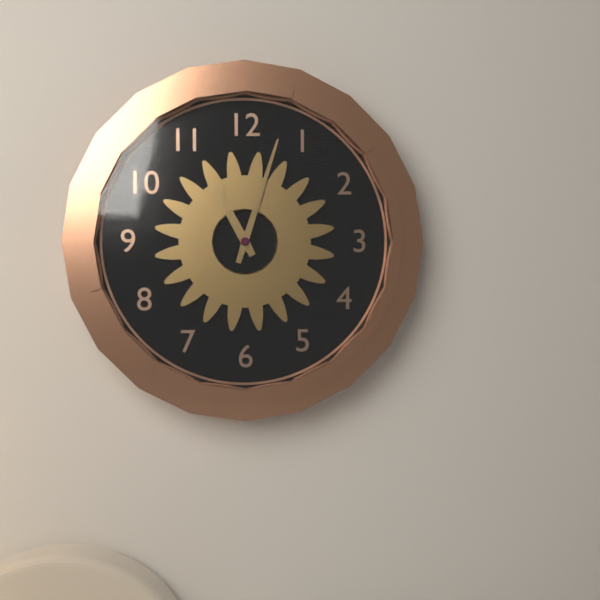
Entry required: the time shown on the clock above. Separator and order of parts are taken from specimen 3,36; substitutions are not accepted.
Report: 11,03
